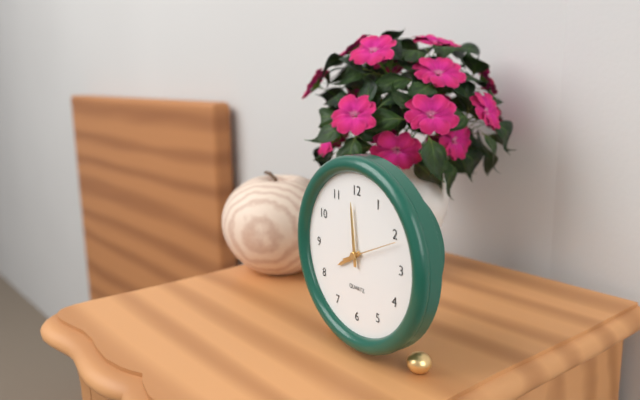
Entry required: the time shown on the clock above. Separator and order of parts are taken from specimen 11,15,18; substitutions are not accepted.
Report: 7,59,11
